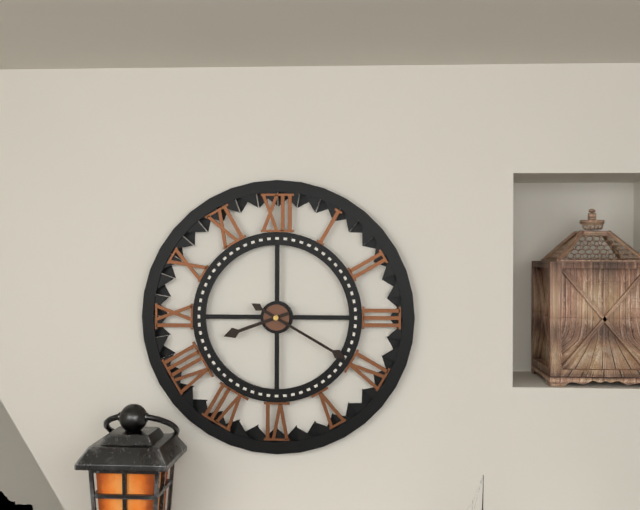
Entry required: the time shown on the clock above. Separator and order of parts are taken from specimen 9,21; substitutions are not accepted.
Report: 8,20
